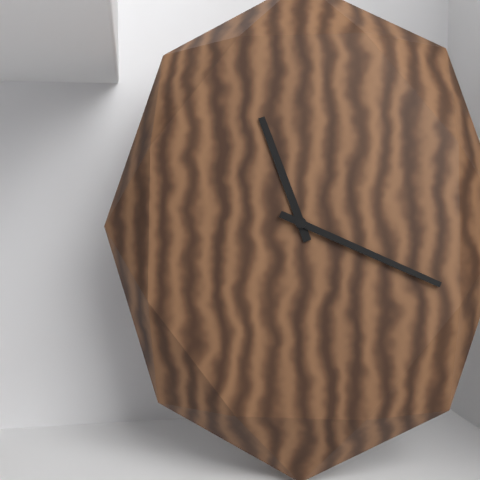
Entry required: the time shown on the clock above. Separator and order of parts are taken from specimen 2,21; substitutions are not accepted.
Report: 11,19
